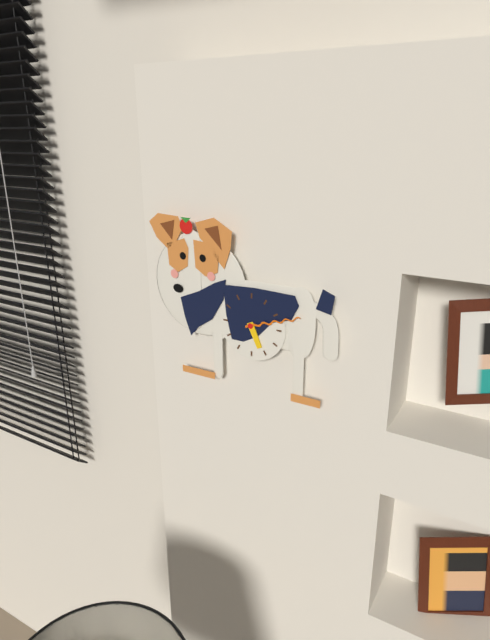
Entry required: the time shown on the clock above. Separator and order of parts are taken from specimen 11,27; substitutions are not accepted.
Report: 5,12
